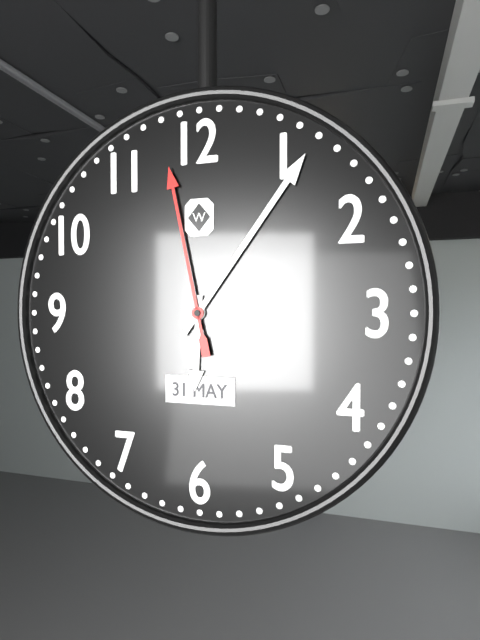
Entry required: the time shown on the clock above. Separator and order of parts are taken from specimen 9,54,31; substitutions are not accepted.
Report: 6,06,58
